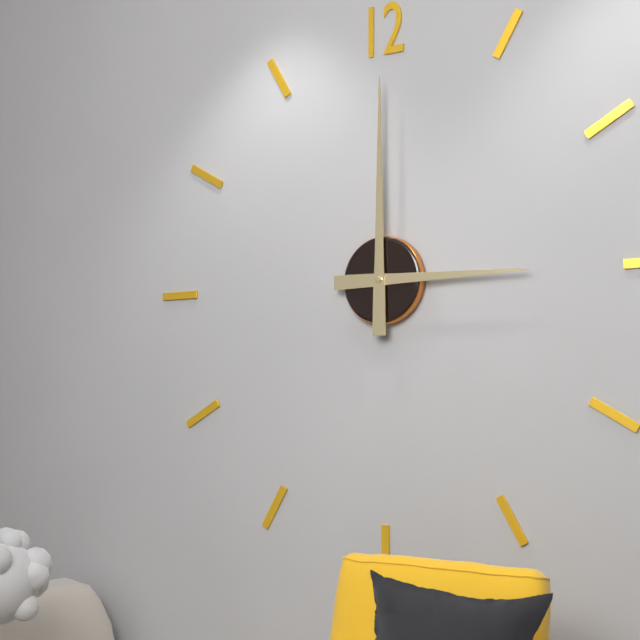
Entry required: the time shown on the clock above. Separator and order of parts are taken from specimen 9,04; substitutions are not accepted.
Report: 3,00
